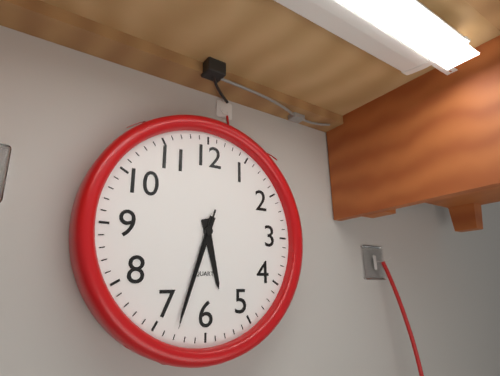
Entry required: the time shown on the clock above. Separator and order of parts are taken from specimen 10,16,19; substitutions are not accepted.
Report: 5,33,33
